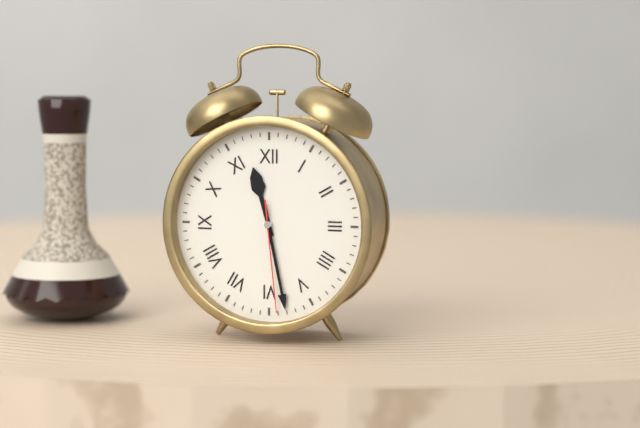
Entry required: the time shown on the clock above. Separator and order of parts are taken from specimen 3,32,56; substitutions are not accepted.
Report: 11,28,29
